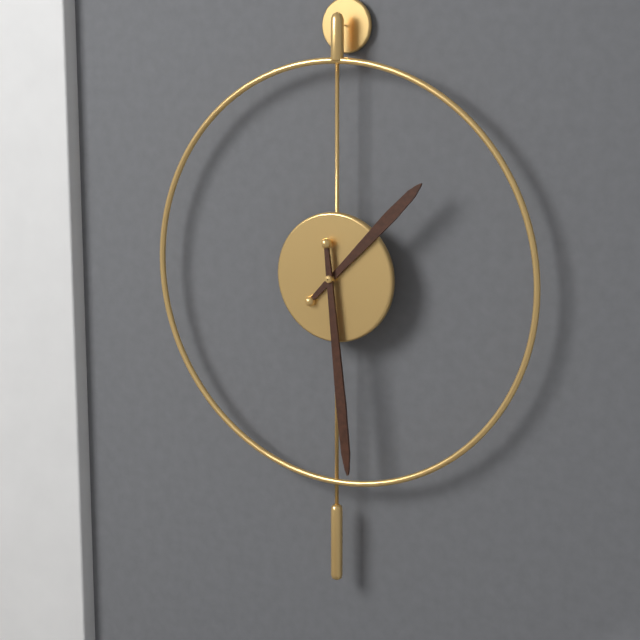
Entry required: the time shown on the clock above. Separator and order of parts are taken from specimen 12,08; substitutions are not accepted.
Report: 1,29
